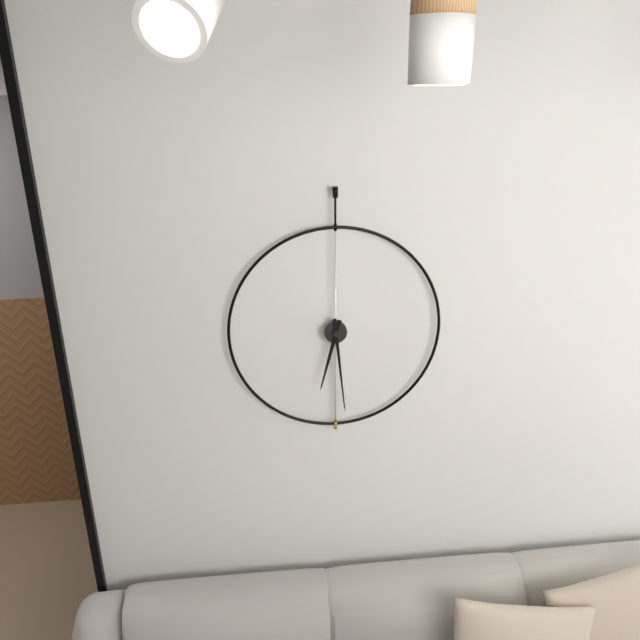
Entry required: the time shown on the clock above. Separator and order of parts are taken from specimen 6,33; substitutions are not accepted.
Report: 6,29
